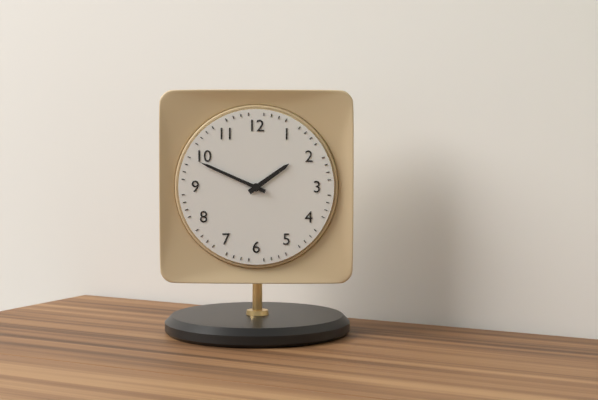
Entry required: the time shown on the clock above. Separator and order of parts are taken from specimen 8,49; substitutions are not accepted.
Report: 1,49
